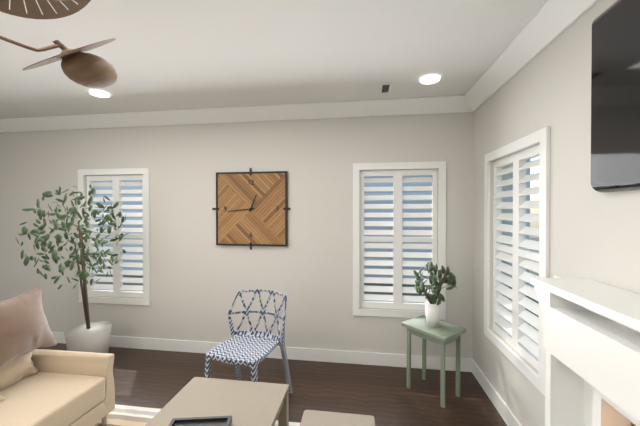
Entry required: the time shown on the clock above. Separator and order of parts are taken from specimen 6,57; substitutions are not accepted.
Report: 12,44
